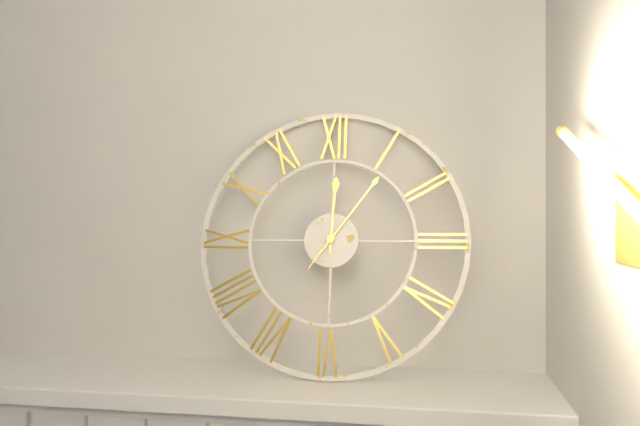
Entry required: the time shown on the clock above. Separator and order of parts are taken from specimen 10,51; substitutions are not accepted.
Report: 12,06
